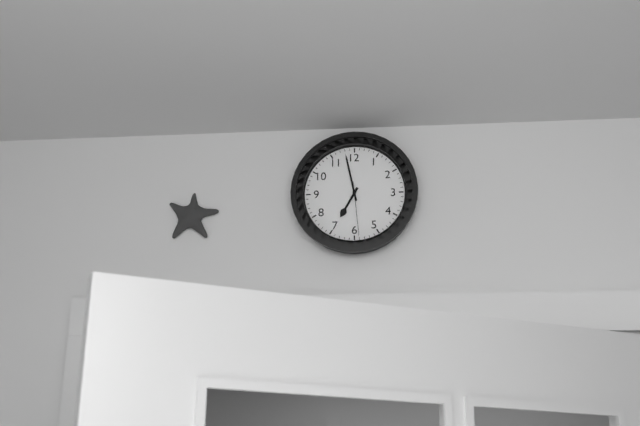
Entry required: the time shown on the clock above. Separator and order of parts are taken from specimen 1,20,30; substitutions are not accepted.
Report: 6,58,29
